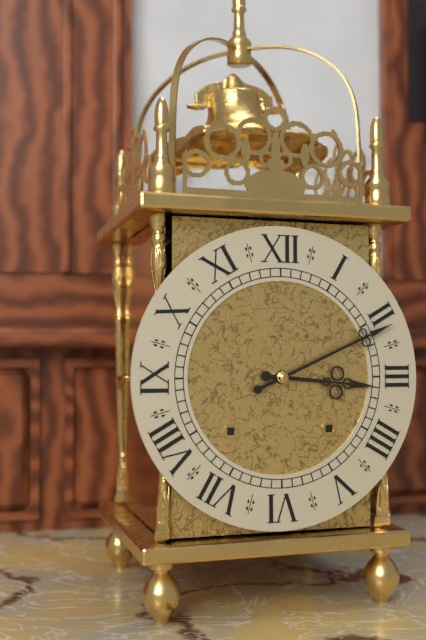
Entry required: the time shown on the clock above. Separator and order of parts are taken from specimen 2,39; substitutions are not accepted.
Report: 3,11
